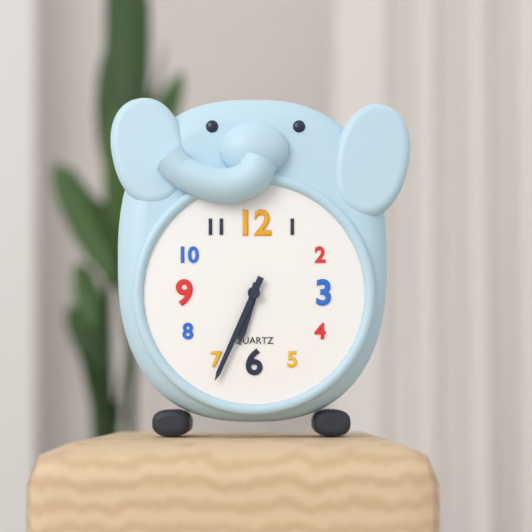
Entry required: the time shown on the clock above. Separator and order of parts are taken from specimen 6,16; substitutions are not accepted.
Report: 6,34
